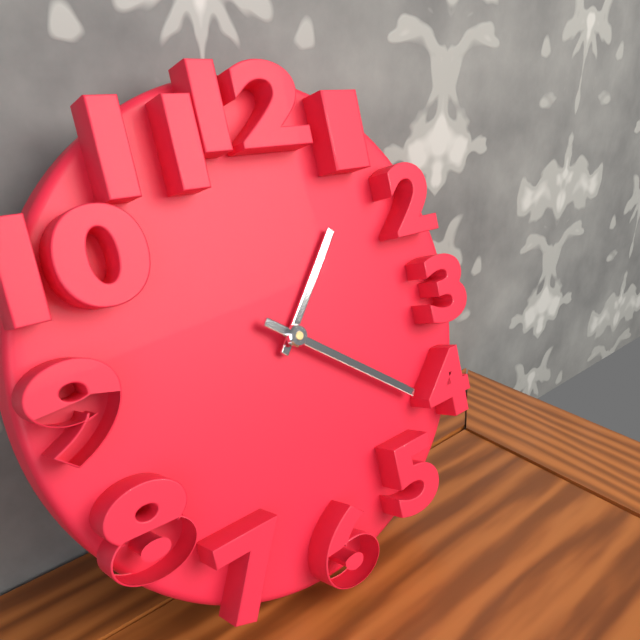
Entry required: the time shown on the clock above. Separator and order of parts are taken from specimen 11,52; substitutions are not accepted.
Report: 1,21
